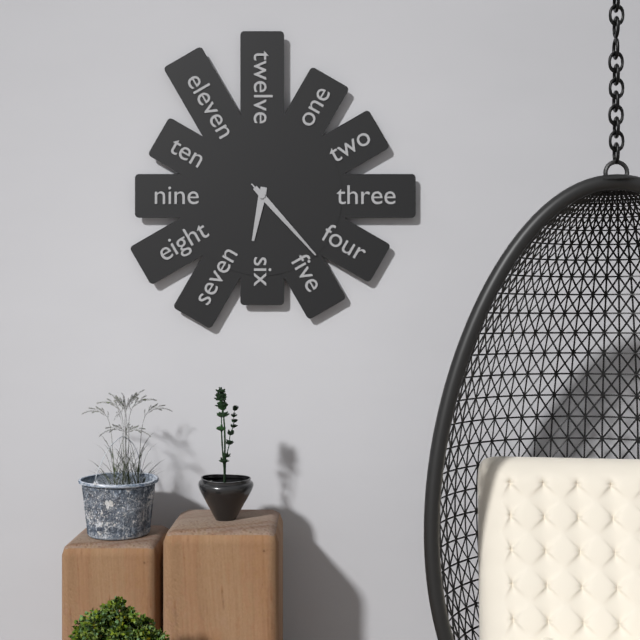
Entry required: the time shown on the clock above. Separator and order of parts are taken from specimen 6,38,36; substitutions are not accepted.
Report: 6,23,23
